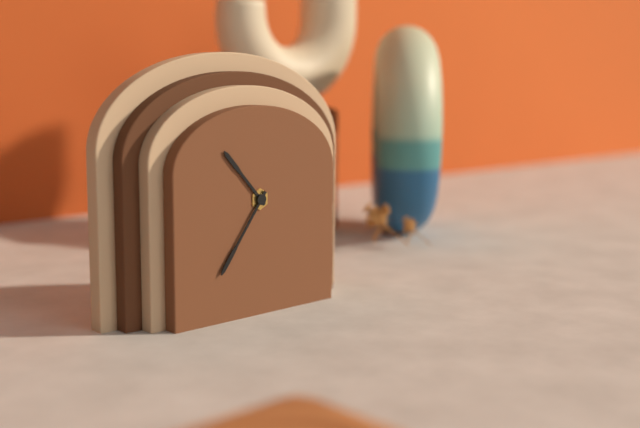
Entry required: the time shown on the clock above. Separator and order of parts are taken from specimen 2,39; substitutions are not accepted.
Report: 10,36
